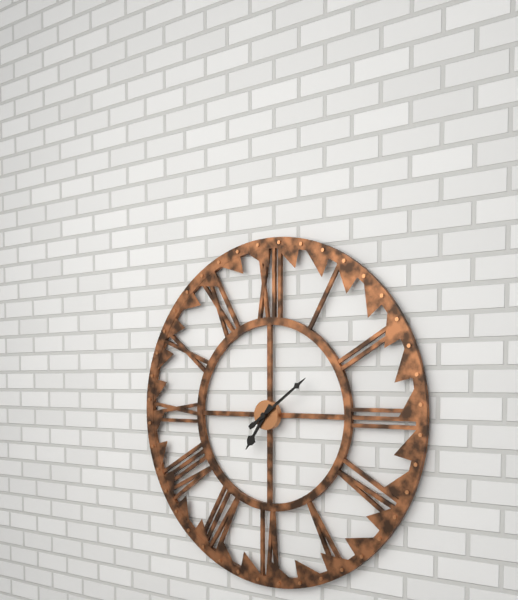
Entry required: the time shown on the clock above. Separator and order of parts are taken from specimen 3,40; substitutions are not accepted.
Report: 7,09
